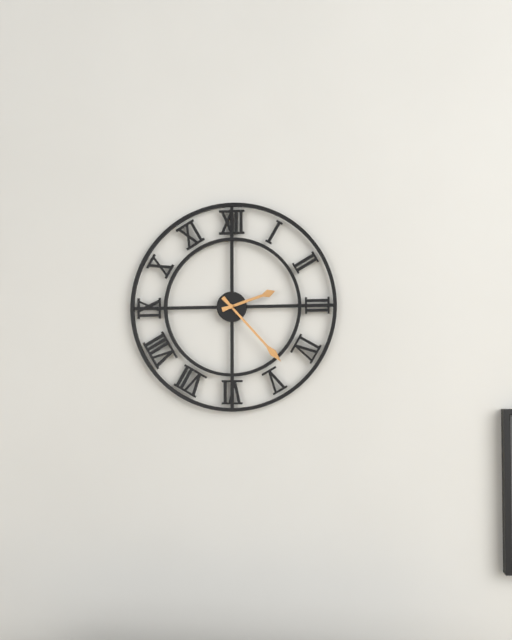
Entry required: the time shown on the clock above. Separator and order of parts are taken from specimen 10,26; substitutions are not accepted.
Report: 2,23
